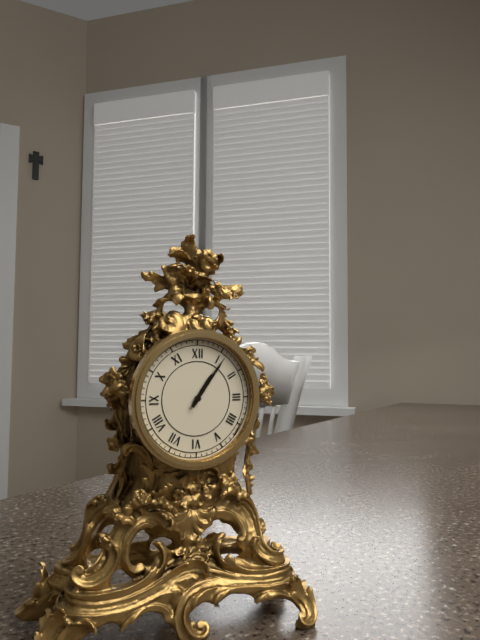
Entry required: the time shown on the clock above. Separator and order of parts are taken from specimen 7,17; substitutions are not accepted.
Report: 1,06
